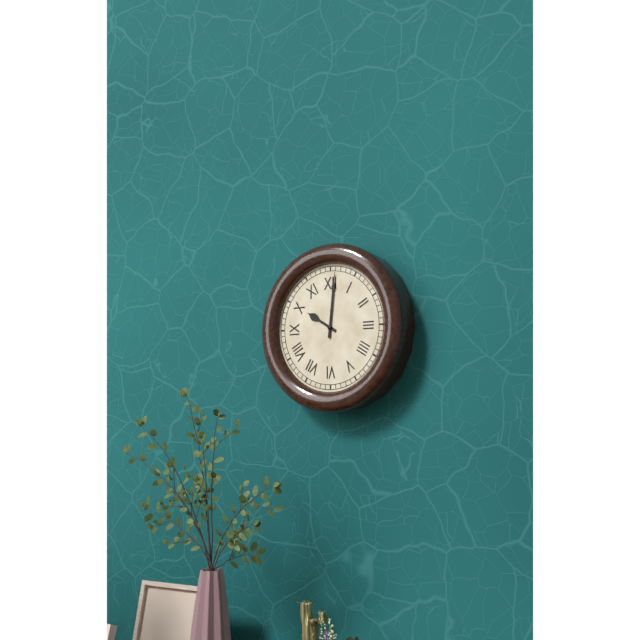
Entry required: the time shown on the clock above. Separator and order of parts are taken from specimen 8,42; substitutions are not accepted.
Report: 10,01
